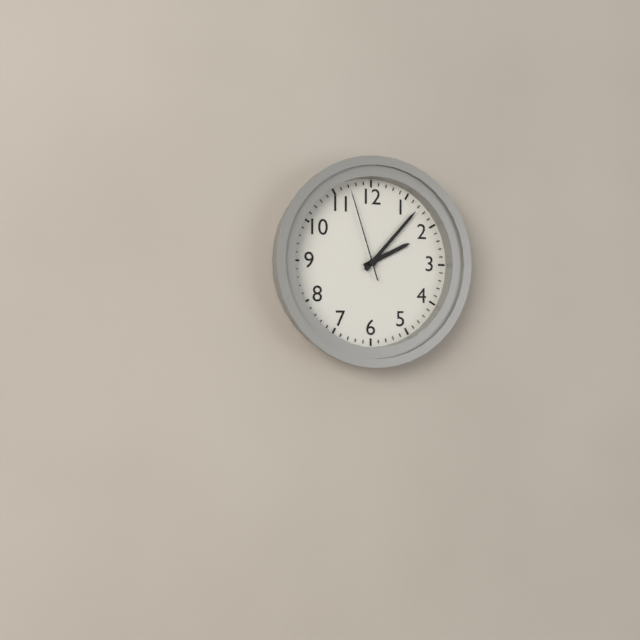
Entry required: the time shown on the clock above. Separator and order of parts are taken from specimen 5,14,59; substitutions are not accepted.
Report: 2,07,57
